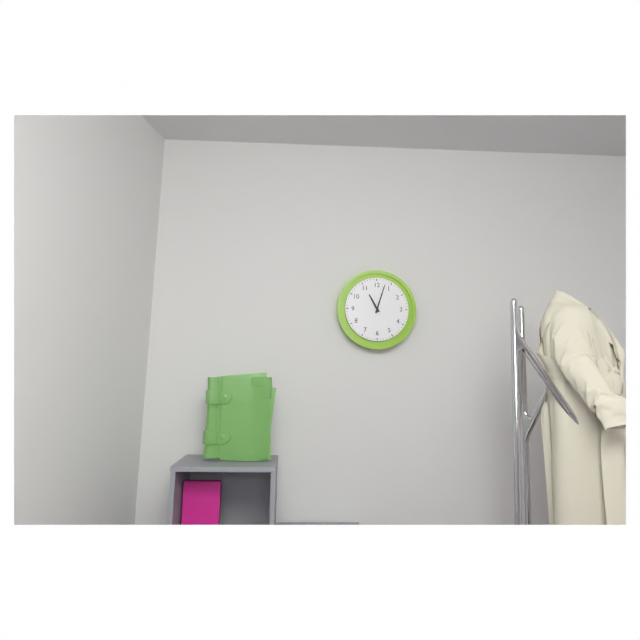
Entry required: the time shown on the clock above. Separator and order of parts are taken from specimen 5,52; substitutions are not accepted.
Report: 11,03
